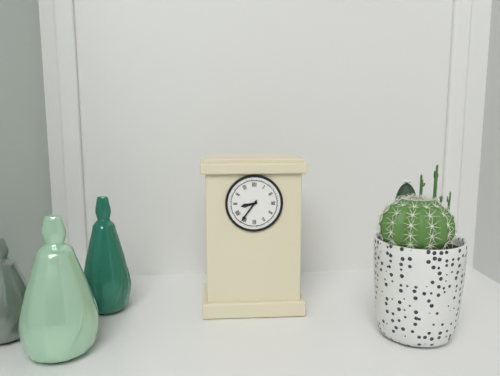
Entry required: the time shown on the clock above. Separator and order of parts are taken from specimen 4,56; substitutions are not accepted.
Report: 8,36
